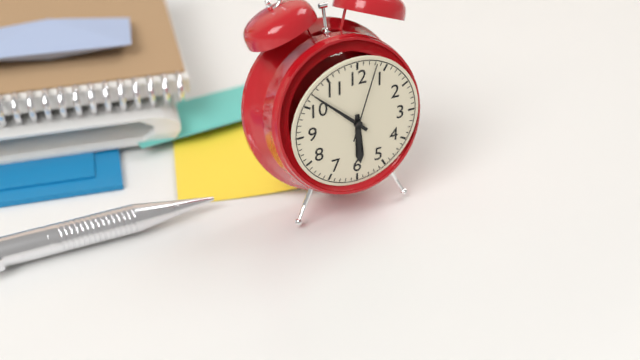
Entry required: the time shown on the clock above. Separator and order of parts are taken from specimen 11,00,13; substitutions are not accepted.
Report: 5,52,03
